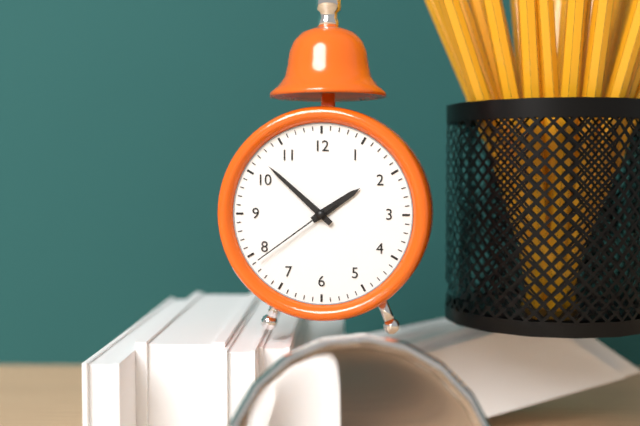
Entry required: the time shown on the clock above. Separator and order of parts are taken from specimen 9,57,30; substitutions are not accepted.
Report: 1,52,39
